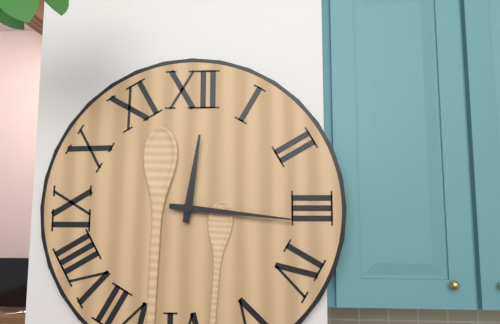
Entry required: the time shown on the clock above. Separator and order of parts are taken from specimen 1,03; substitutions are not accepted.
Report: 12,16
